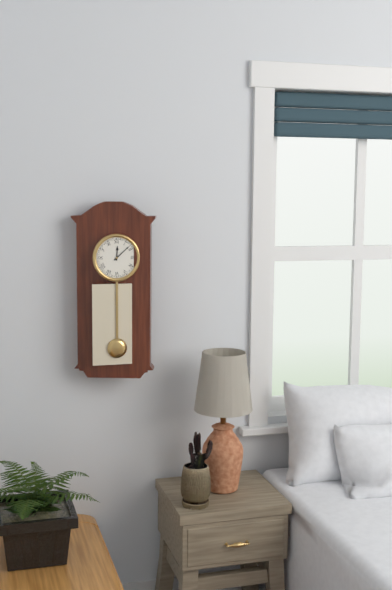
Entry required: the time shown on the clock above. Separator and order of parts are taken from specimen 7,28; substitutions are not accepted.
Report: 12,08
